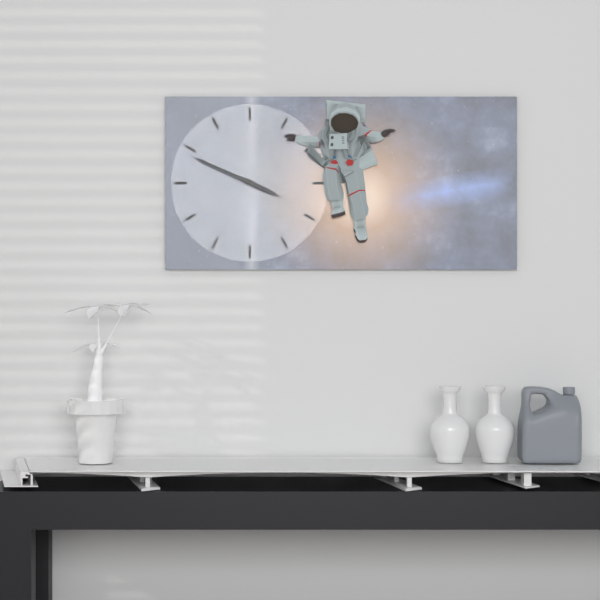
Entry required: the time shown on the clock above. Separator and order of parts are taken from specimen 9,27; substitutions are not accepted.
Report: 3,49
